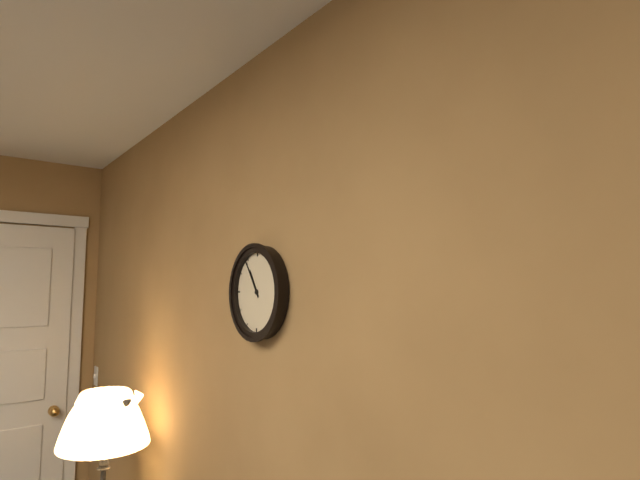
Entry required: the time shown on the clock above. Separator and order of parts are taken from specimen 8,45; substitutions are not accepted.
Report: 10,54
